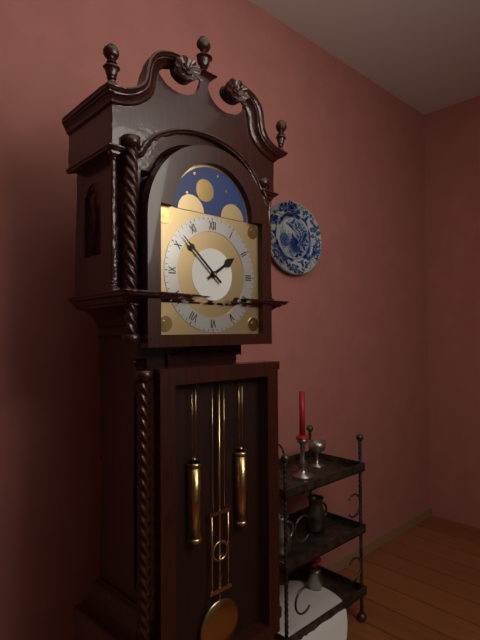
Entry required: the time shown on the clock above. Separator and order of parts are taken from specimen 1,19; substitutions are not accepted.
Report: 1,52
